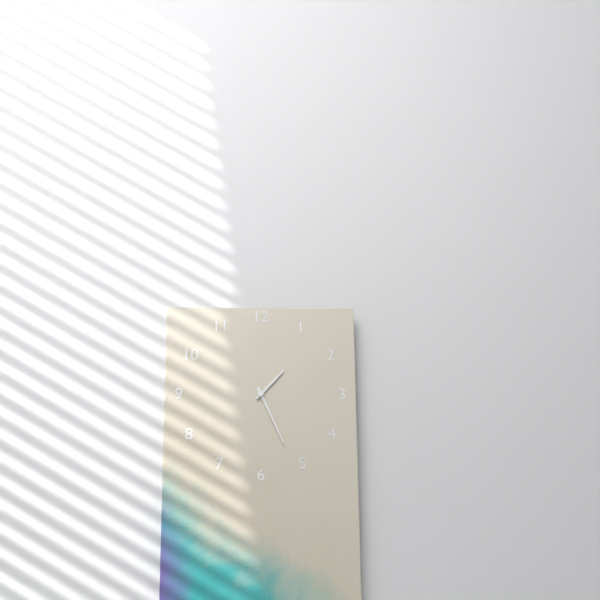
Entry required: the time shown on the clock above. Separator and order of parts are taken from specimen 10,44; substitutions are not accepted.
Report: 1,26
